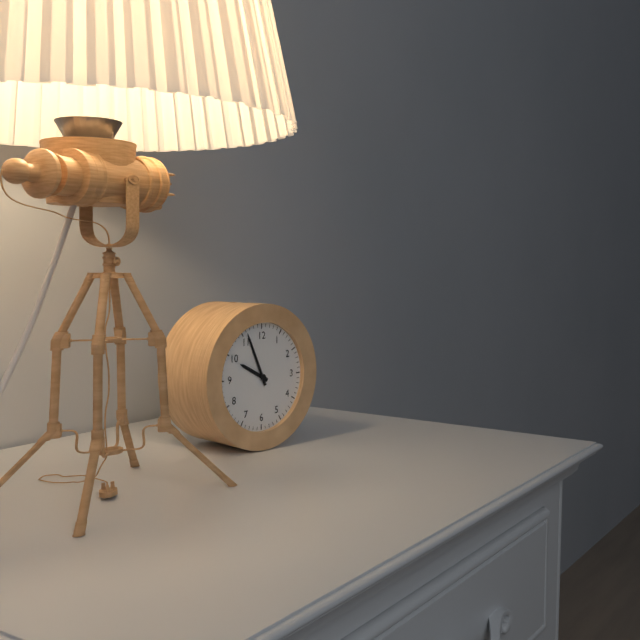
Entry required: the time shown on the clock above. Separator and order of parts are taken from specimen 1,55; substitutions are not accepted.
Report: 9,56
